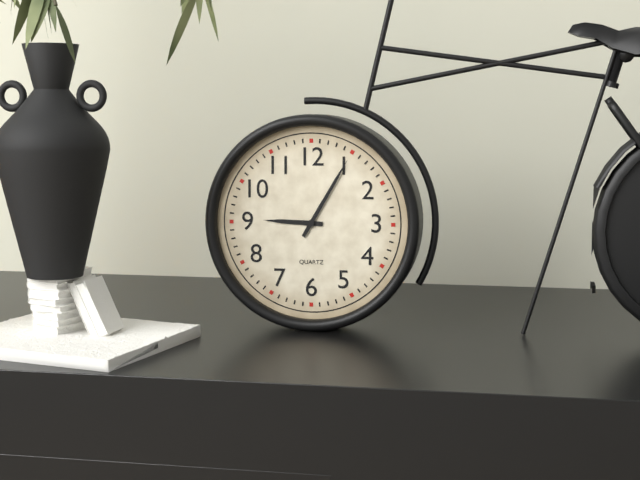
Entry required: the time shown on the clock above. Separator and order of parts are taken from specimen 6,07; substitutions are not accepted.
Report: 9,05
